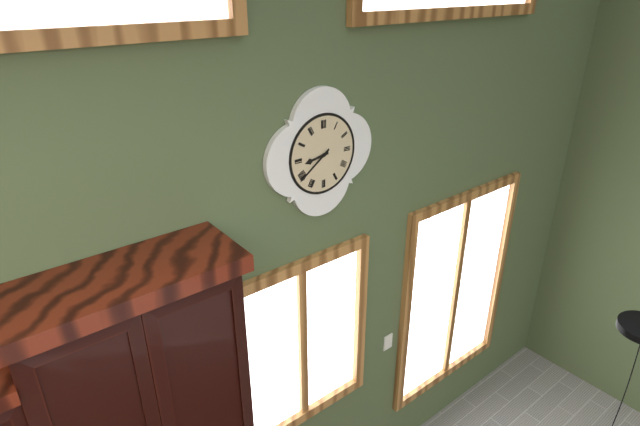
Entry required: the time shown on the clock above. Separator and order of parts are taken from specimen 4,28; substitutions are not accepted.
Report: 8,39
